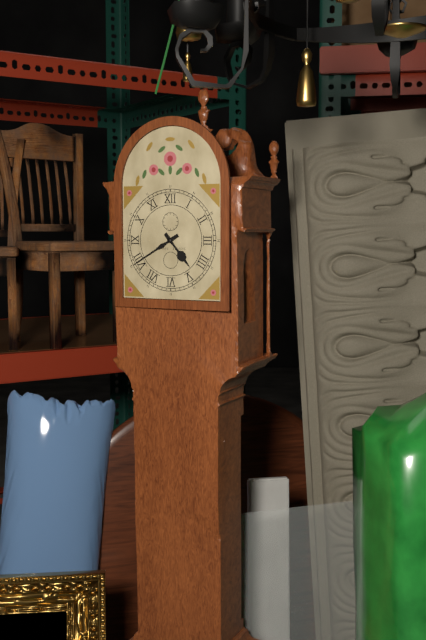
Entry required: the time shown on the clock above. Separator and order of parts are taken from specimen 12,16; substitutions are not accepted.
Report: 4,40
